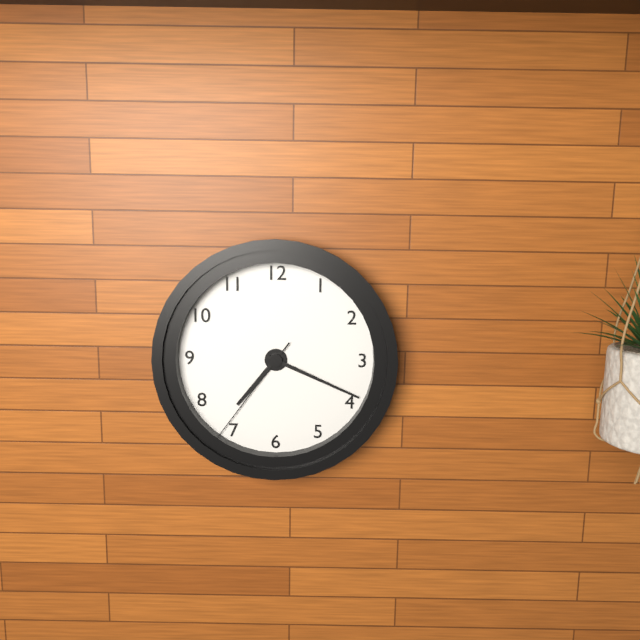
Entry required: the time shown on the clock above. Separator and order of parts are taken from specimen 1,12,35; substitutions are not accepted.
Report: 7,19,36
